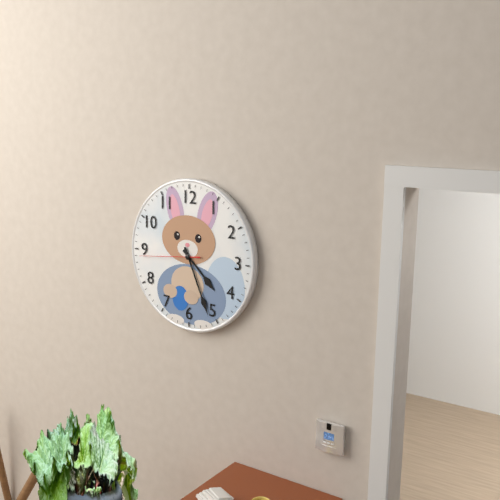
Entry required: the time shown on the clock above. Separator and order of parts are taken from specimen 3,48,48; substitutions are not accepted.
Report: 4,26,44
